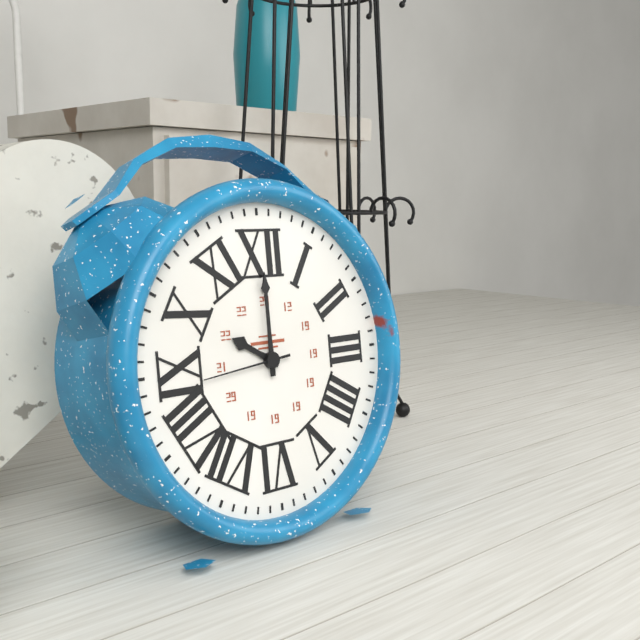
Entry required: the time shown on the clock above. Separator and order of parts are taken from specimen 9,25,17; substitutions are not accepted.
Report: 10,00,44
